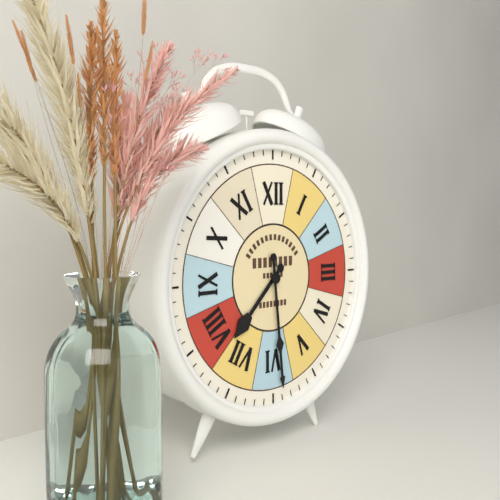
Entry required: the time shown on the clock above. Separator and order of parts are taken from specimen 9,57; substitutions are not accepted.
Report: 7,29
